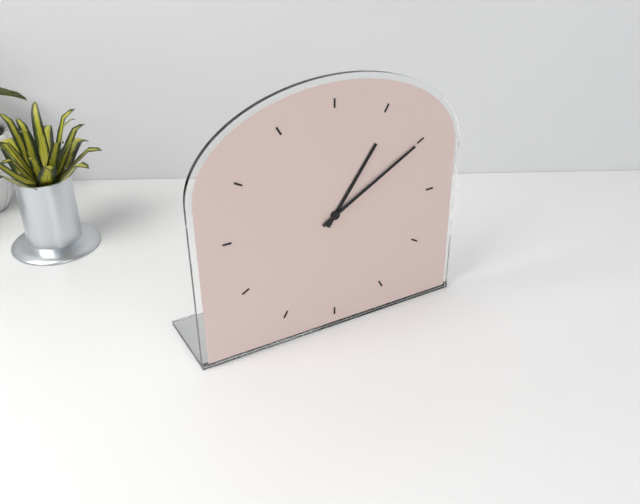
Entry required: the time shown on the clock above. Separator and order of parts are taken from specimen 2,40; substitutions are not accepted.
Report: 1,10
